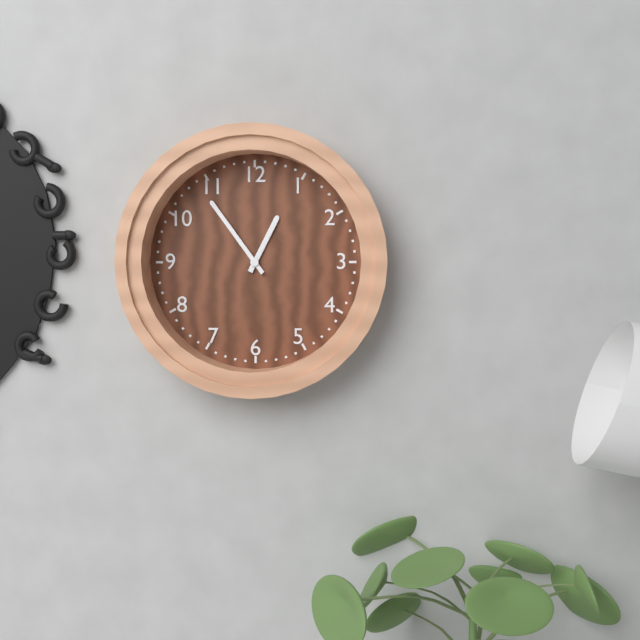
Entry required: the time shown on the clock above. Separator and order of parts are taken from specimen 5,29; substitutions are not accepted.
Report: 12,54
